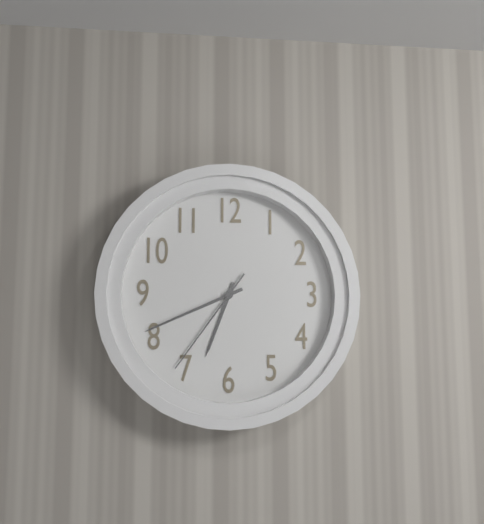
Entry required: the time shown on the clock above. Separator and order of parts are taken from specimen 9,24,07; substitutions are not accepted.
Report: 6,41,36
